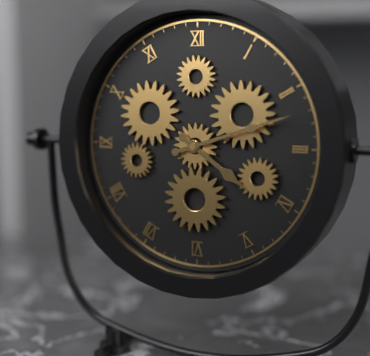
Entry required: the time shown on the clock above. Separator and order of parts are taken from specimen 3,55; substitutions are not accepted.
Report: 4,12
